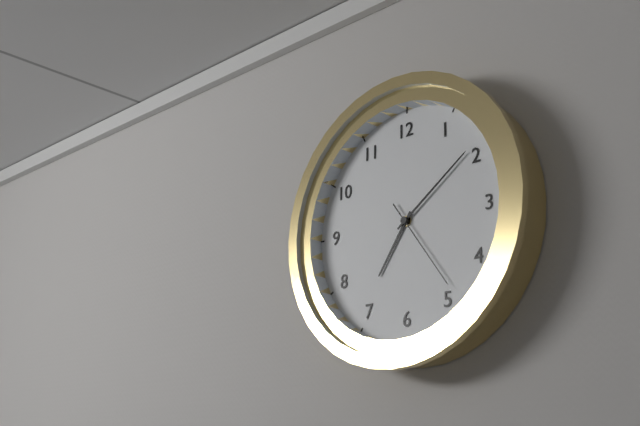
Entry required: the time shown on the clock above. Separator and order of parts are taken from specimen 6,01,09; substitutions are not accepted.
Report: 7,09,24
